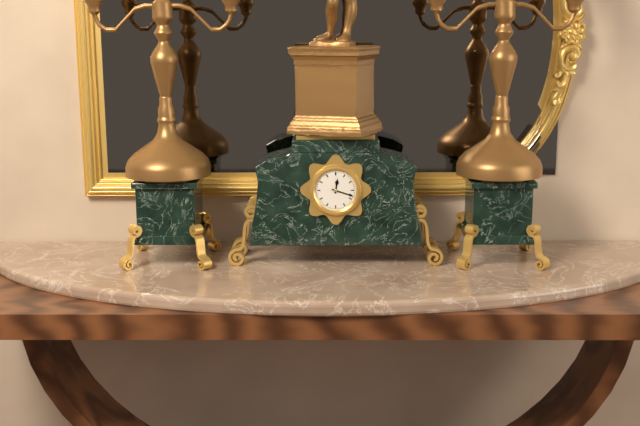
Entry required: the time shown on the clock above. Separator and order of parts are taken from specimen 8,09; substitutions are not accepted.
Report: 12,18
